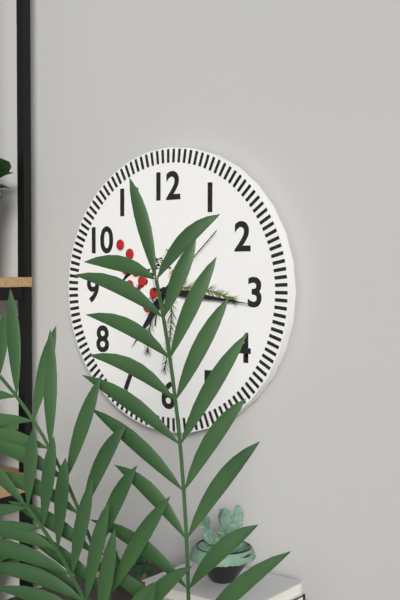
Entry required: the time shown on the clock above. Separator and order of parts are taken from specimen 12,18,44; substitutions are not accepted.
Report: 7,16,08
